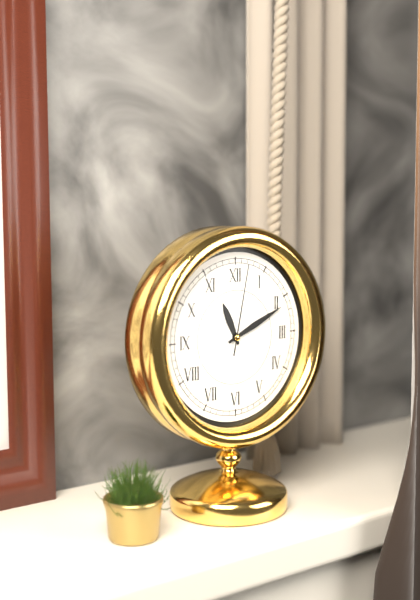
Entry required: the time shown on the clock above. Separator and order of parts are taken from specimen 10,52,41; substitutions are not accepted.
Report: 11,11,02
